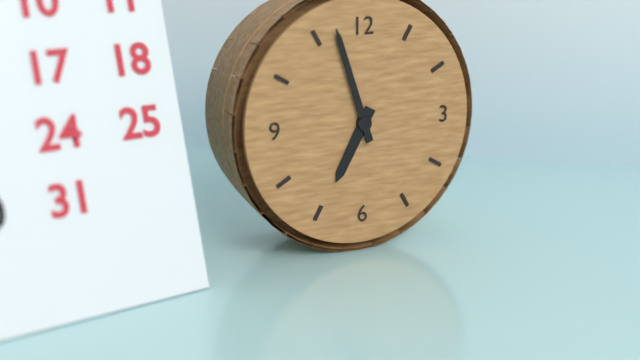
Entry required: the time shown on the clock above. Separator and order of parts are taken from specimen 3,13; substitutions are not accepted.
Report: 6,57
